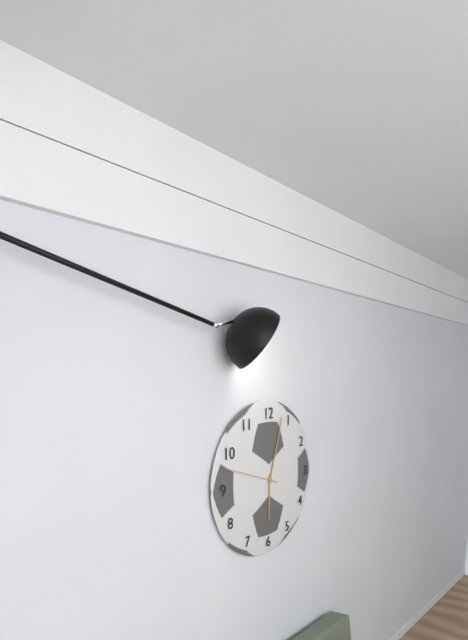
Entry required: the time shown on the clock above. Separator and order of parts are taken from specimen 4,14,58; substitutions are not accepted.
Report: 6,03,48
